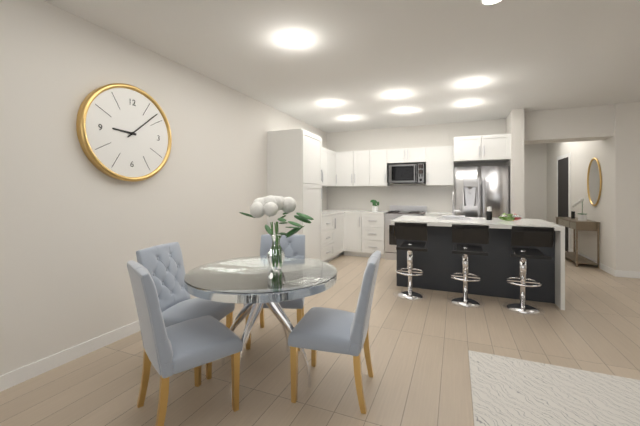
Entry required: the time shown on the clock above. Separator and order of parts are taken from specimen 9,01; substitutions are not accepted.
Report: 9,08
